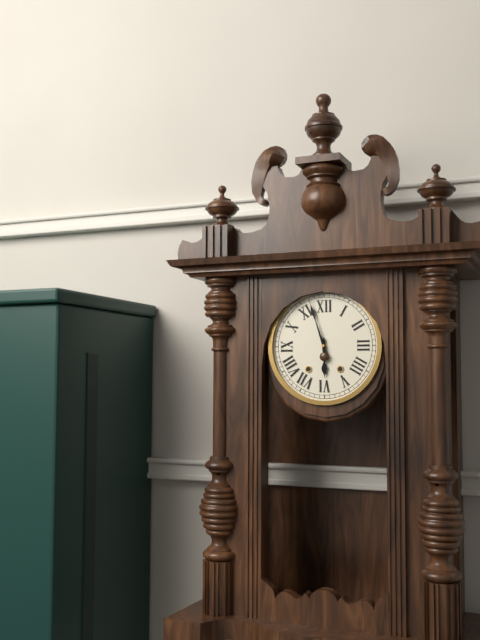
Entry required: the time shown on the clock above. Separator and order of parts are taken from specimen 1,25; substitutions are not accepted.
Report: 5,57
